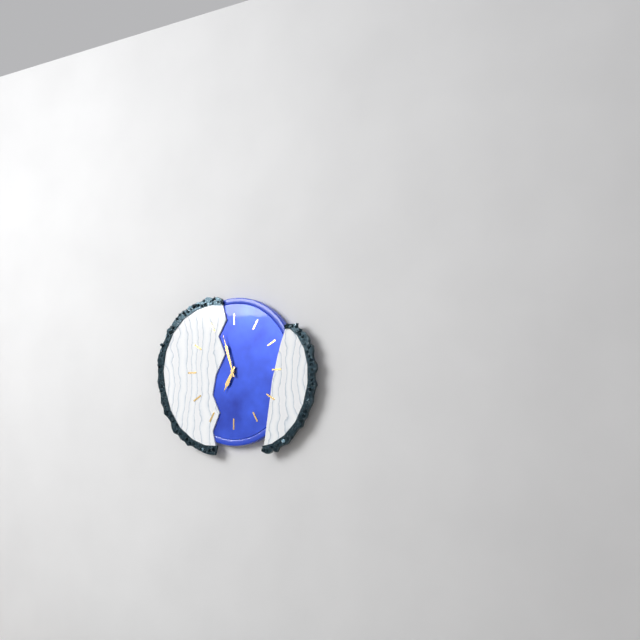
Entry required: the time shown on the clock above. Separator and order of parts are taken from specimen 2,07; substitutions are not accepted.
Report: 6,57
